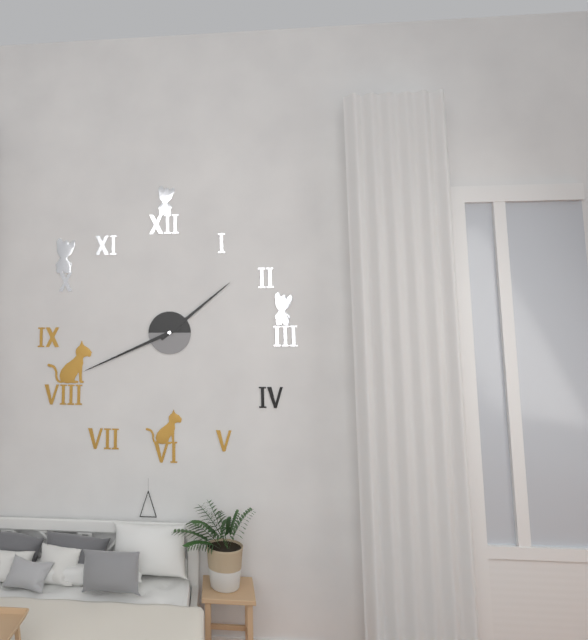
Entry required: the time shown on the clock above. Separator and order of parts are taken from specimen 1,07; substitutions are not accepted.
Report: 1,41
